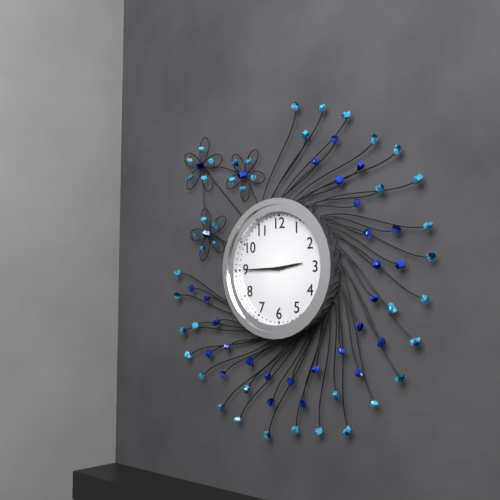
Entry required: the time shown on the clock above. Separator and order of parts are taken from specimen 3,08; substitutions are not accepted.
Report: 2,45
